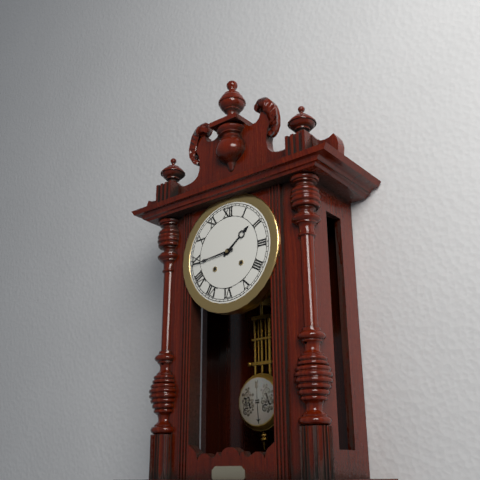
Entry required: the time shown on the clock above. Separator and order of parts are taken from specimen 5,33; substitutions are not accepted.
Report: 1,44
